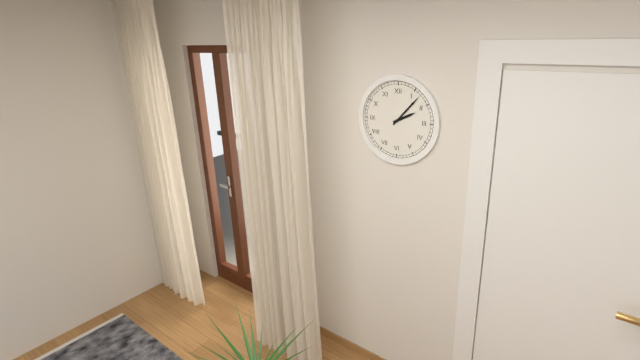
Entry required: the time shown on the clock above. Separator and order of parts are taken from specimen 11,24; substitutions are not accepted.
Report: 2,07
